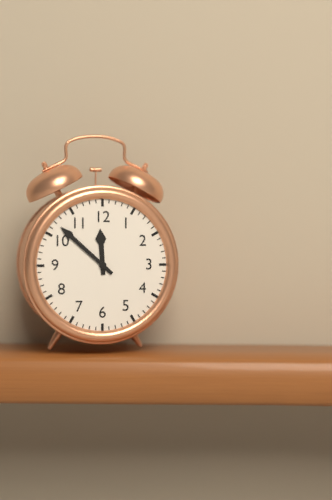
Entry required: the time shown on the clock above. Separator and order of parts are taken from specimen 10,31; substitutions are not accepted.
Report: 11,52
